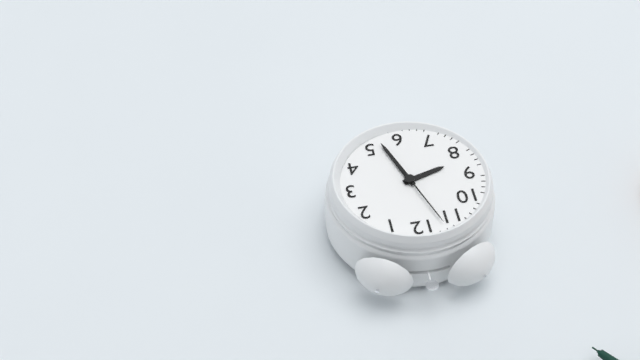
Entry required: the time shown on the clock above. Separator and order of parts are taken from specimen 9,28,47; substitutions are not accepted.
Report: 8,27,57
